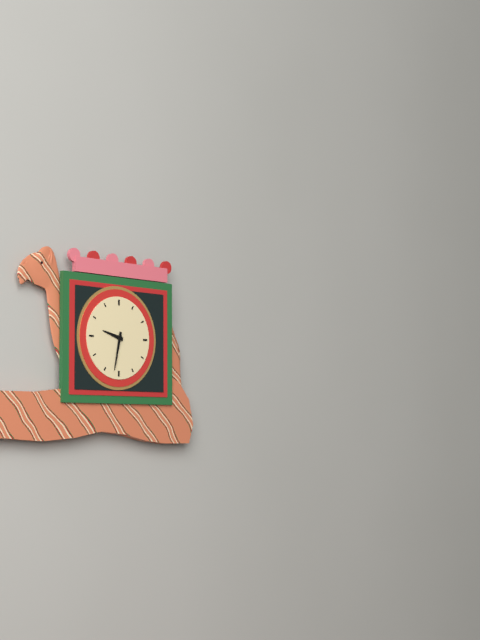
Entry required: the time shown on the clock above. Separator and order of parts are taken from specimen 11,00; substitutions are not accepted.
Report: 9,32
